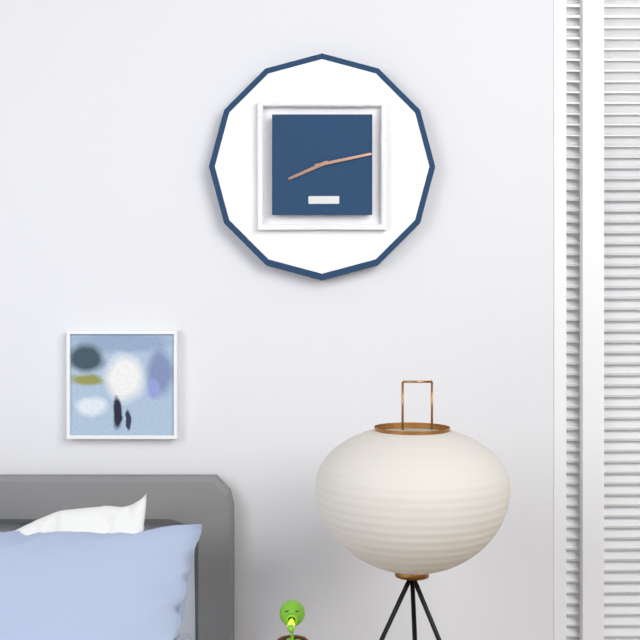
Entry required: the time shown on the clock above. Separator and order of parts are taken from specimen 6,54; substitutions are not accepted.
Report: 8,13
